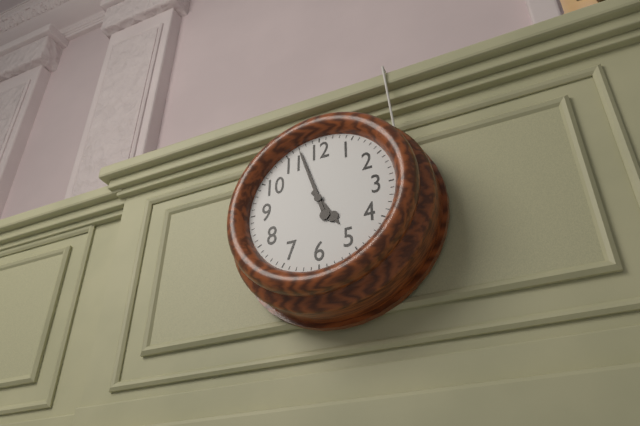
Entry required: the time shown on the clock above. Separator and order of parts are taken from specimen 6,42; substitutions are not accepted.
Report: 4,57
